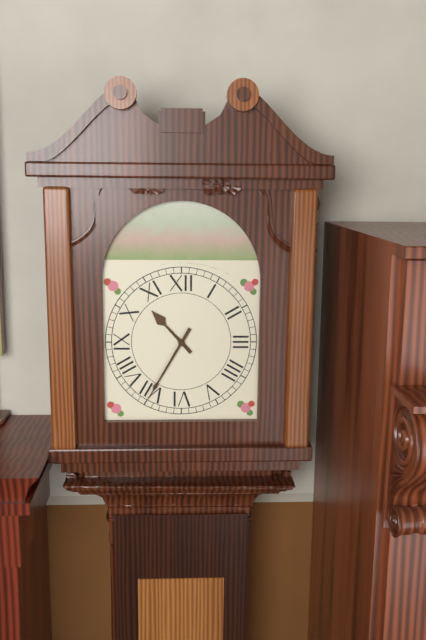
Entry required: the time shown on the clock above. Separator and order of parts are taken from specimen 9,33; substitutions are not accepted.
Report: 10,35
